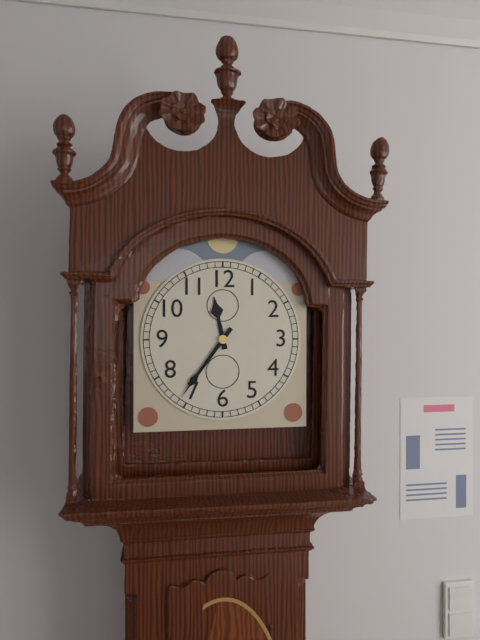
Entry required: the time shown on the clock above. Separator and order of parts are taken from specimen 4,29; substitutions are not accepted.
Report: 11,36
